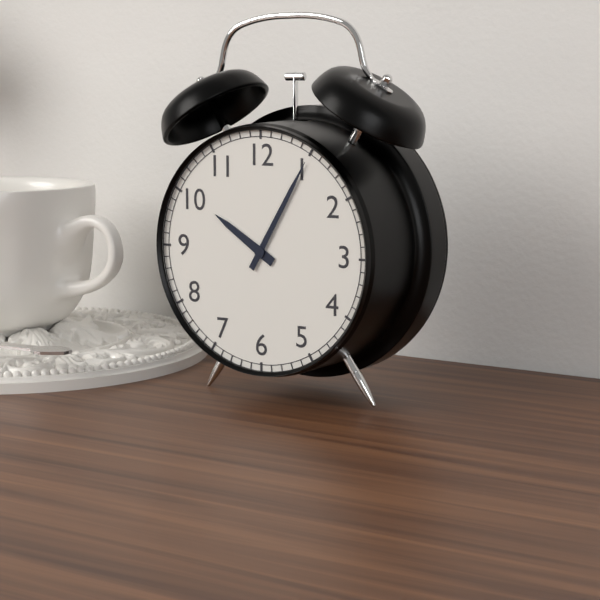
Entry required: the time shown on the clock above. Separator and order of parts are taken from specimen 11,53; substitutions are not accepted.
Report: 10,05
